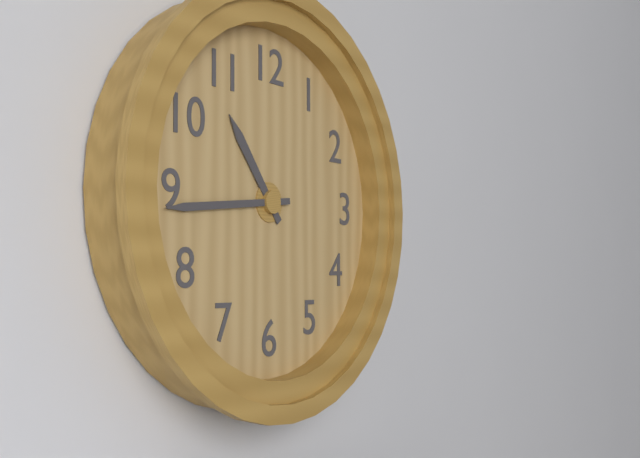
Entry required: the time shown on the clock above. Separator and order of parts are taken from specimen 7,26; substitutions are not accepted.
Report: 10,44
